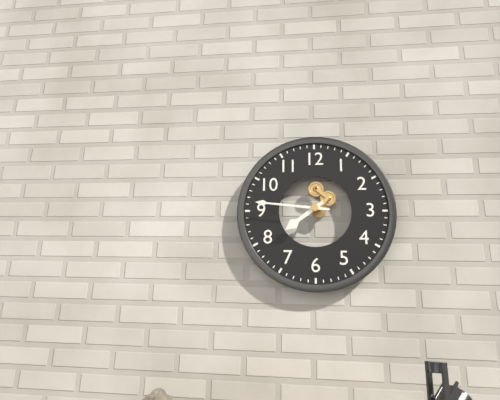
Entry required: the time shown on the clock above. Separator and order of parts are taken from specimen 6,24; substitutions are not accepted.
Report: 7,46
